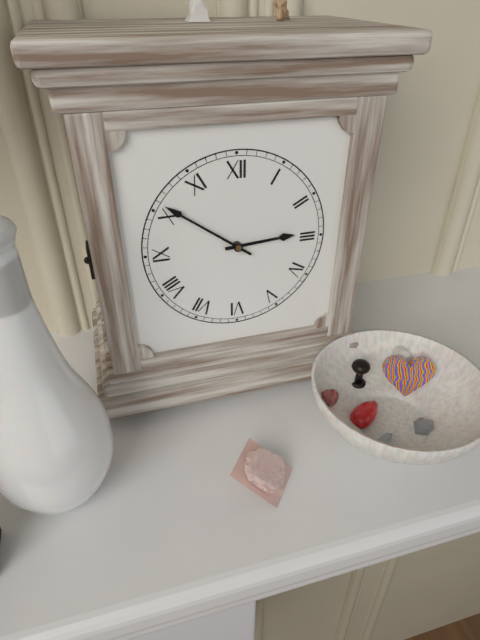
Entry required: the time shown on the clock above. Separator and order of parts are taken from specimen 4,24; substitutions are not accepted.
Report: 2,51
